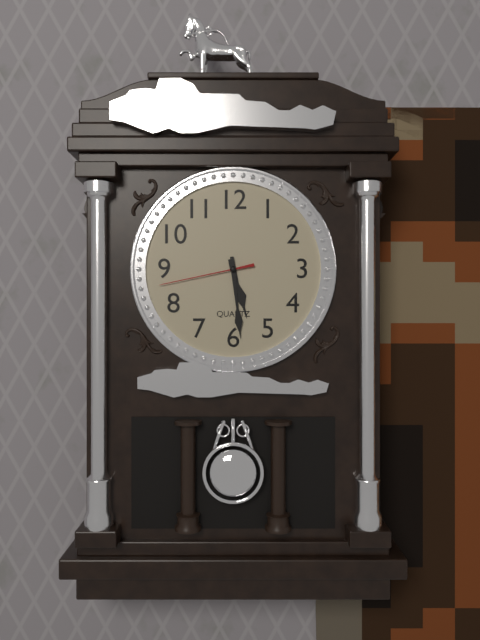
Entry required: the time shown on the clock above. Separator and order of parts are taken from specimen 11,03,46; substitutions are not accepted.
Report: 5,29,43
